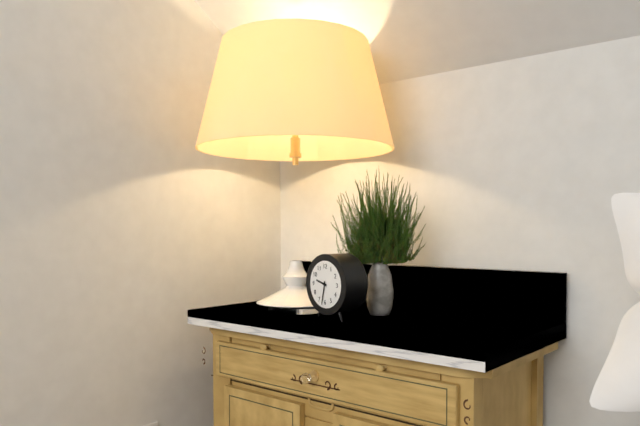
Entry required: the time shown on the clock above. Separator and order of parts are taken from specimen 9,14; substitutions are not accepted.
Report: 9,32
